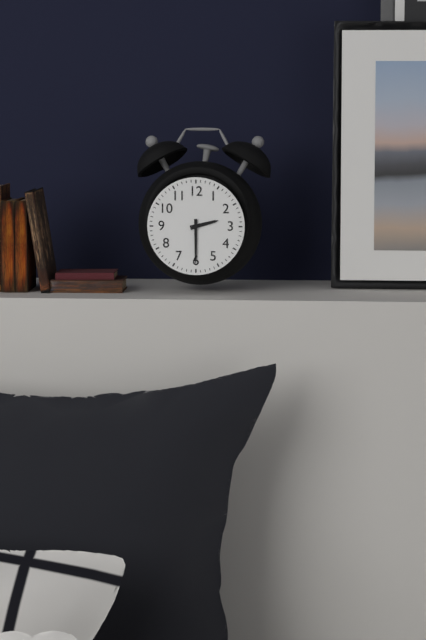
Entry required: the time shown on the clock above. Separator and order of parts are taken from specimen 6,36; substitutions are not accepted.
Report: 2,30
